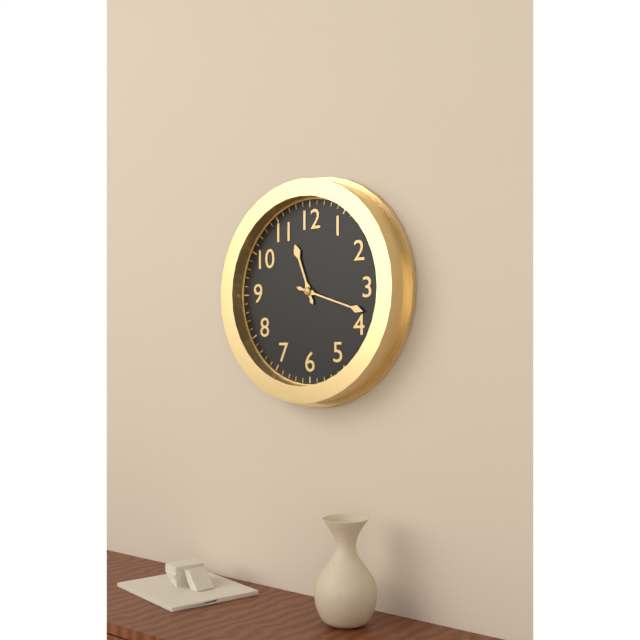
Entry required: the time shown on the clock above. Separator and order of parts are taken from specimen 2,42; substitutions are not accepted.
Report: 11,18
